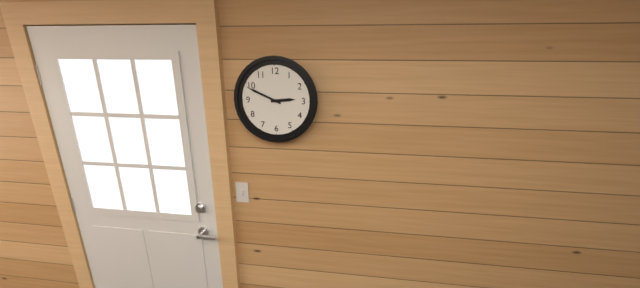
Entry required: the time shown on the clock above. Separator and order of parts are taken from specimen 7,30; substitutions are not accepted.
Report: 2,49
